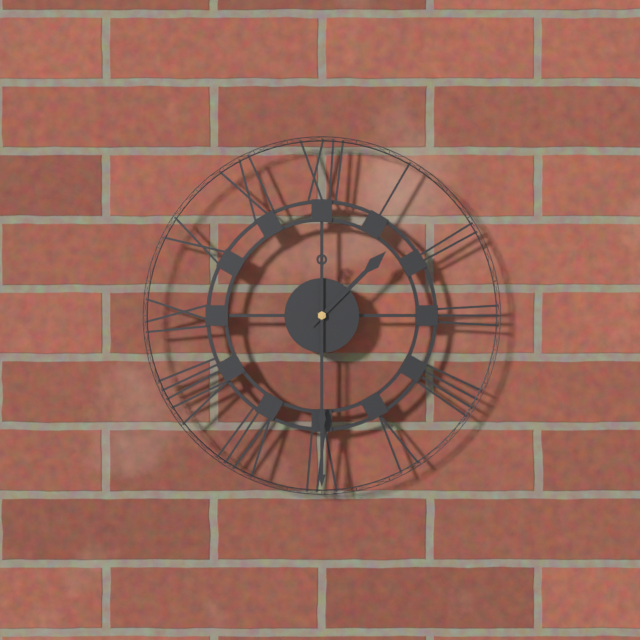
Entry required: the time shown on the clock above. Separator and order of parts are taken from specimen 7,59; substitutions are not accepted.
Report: 1,30
